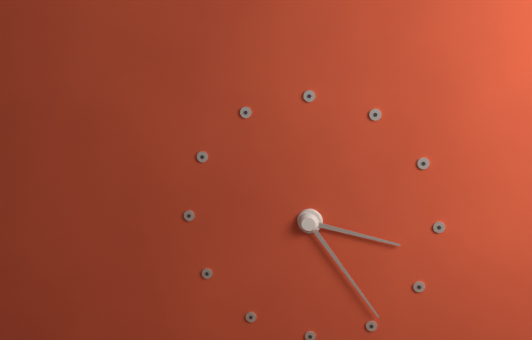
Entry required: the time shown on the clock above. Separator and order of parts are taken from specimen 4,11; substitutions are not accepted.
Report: 3,24
